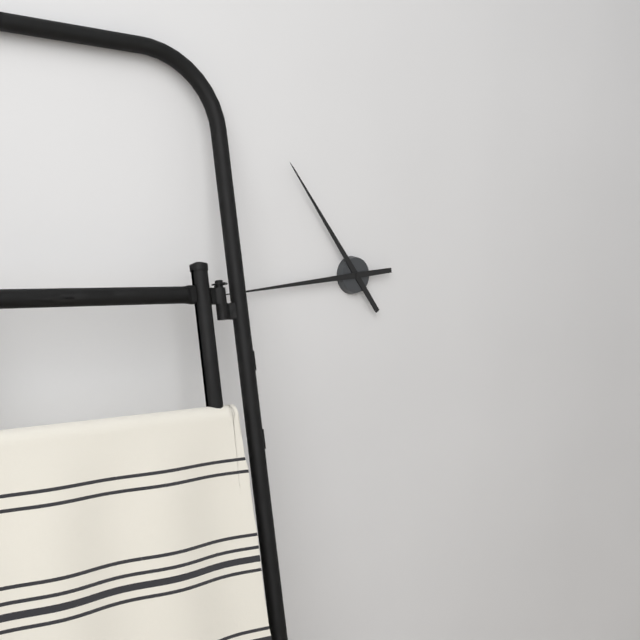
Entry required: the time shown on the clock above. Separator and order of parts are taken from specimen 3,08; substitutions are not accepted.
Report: 10,44
